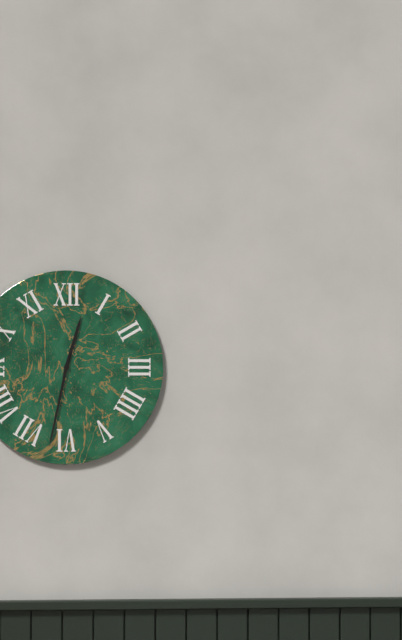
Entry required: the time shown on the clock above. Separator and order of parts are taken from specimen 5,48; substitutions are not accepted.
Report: 12,32
